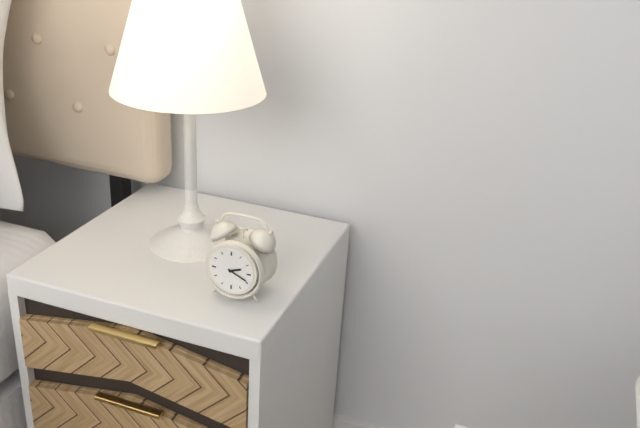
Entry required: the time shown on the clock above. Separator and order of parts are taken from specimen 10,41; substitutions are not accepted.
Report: 2,19
